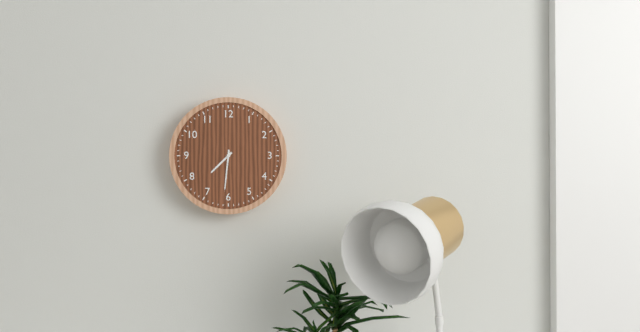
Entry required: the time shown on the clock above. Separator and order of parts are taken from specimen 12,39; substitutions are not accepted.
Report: 7,31
